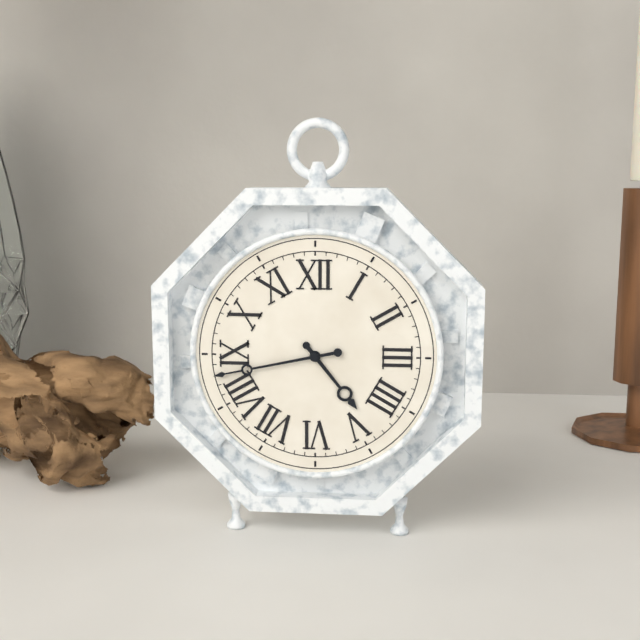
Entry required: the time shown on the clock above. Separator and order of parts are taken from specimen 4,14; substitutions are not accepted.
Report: 4,43
